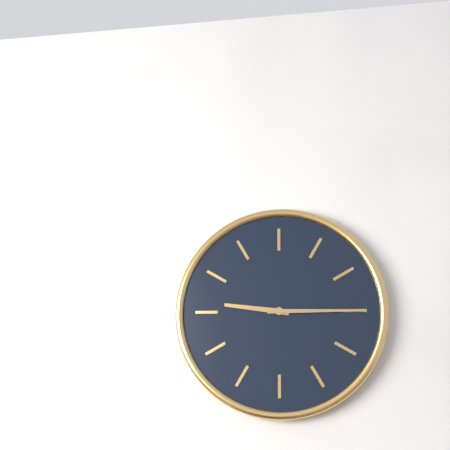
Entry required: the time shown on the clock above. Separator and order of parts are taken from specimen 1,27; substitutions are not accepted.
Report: 9,15
